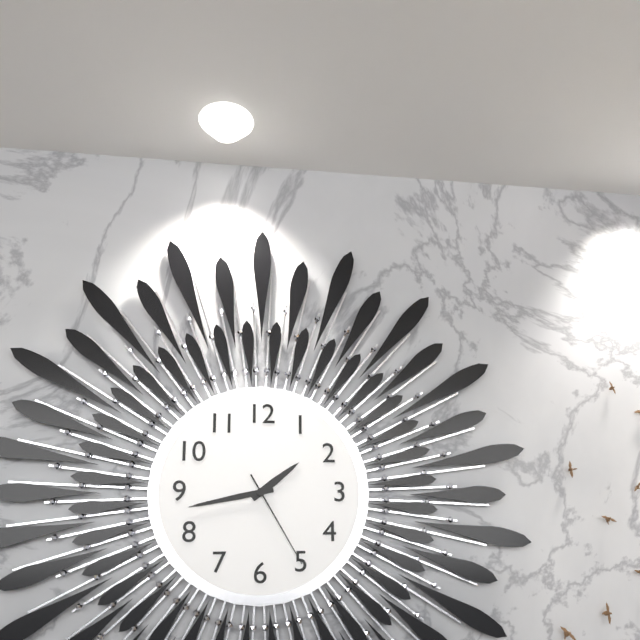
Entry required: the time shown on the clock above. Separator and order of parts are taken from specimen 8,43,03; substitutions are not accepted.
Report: 1,43,25
